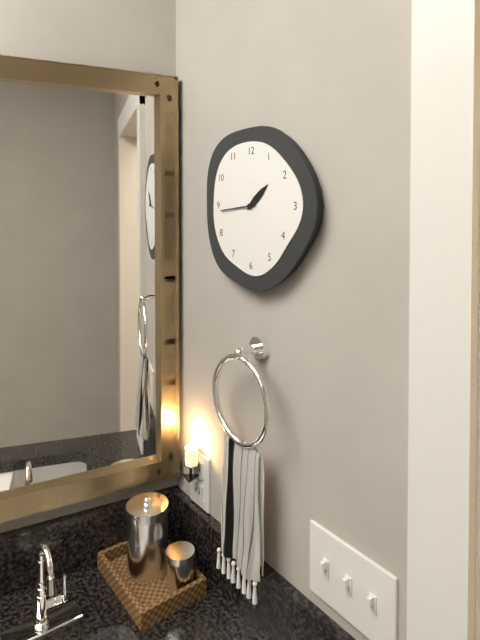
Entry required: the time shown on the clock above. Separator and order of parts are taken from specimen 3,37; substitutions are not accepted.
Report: 1,44
